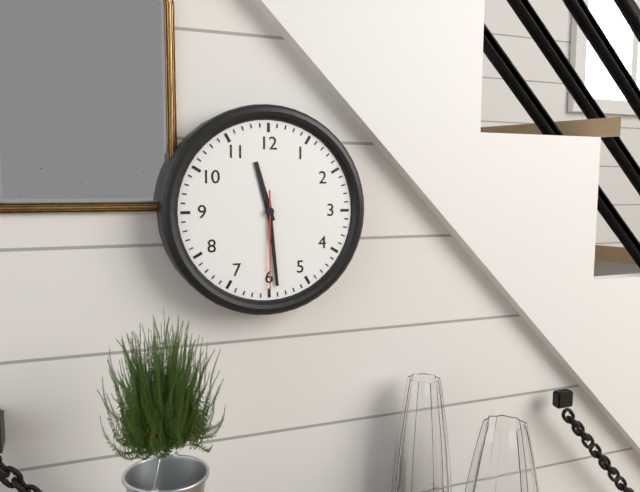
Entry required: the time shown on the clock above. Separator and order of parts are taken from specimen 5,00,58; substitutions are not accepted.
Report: 11,29,30
